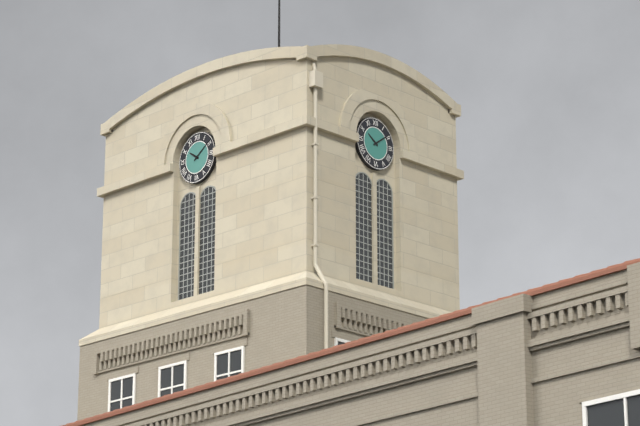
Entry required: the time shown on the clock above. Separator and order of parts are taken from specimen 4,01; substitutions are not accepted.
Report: 10,09
